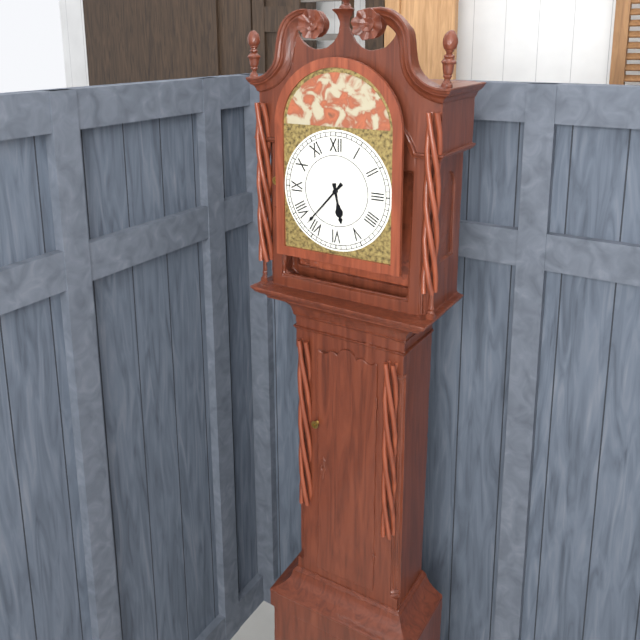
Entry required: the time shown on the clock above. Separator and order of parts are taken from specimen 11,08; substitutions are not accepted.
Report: 5,37
